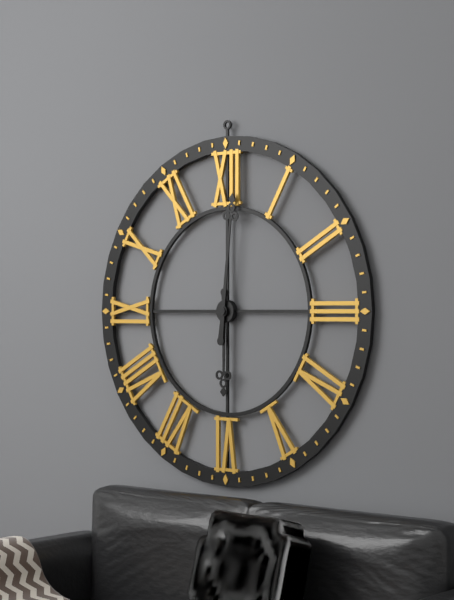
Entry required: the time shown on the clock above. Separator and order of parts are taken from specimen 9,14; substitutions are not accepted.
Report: 6,01
